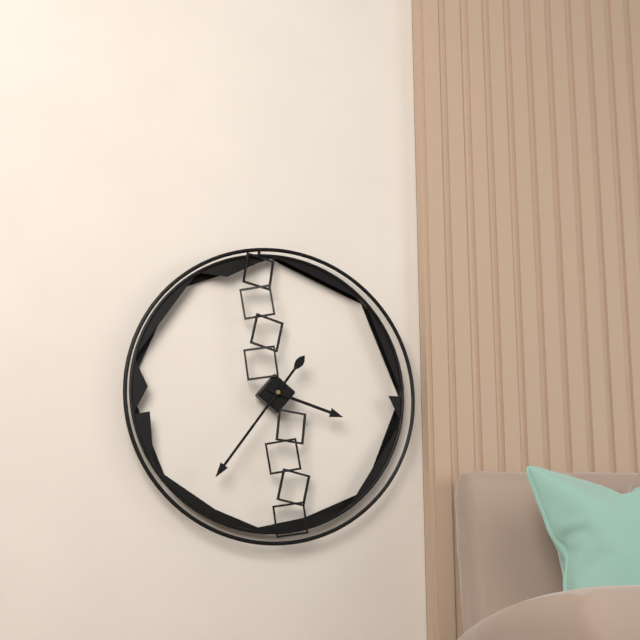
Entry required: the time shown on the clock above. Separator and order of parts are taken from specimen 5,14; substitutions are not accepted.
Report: 3,36
